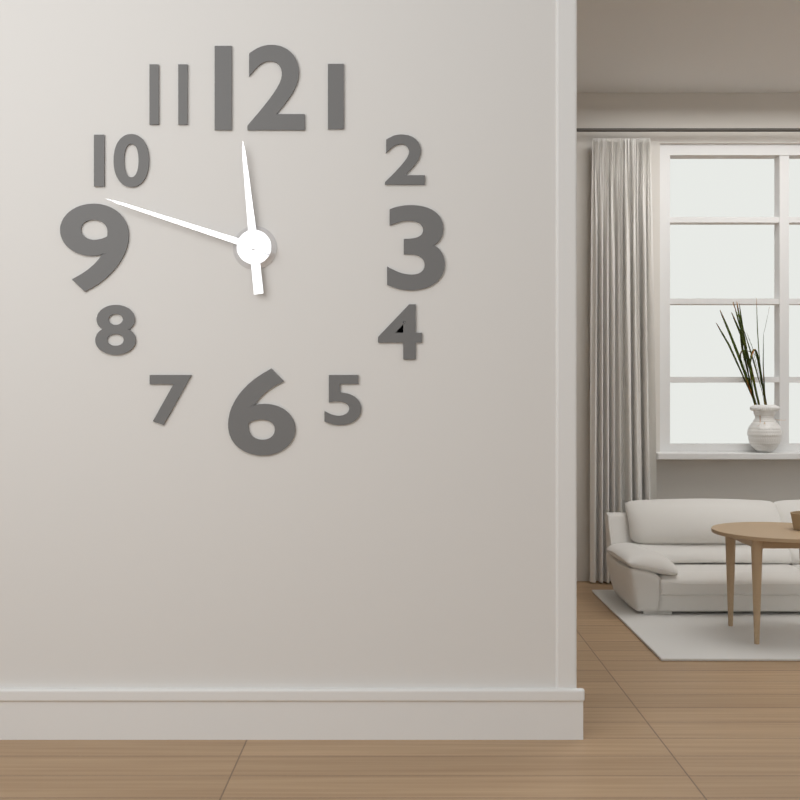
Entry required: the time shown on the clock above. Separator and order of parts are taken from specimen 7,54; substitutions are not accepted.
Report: 11,48
